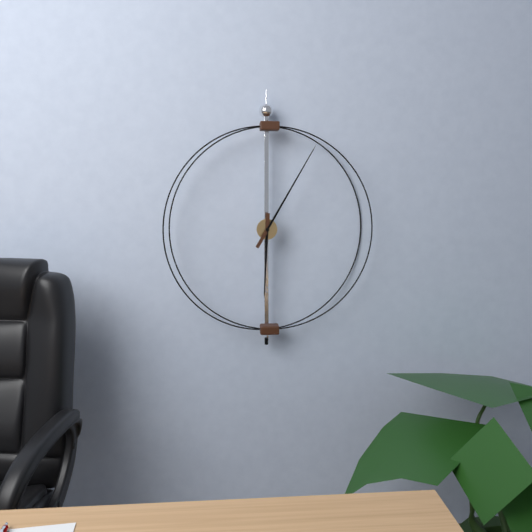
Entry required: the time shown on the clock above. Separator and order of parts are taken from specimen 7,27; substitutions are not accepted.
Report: 6,05
